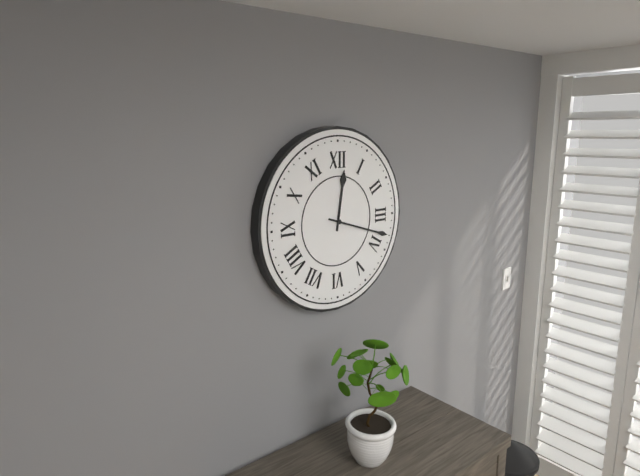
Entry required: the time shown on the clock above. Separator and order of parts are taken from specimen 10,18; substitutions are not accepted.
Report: 12,18
